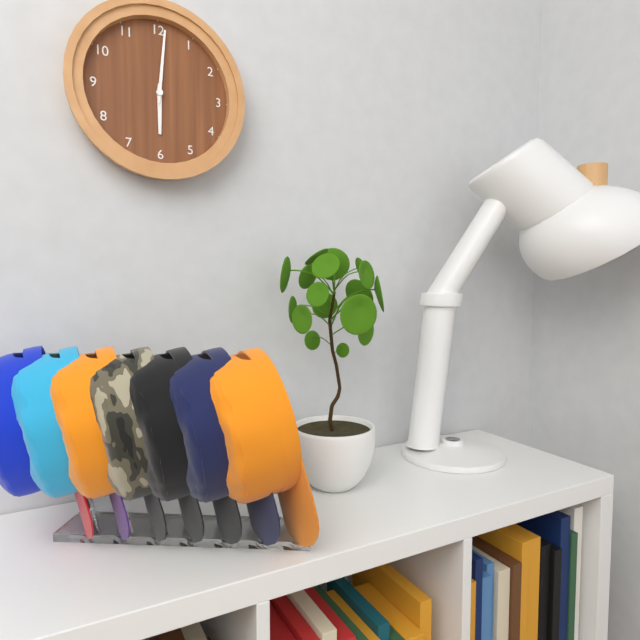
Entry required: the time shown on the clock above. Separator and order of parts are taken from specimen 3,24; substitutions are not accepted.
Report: 6,01
